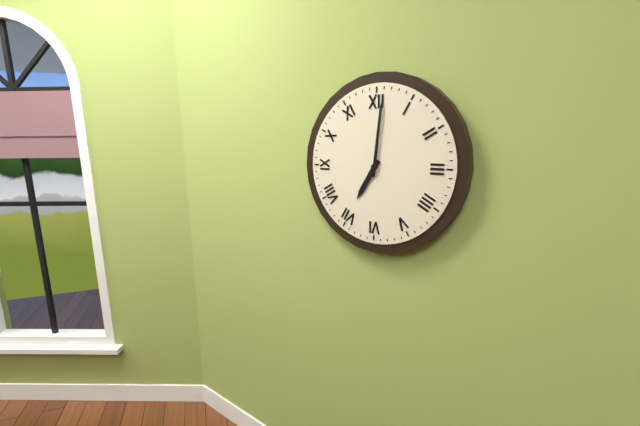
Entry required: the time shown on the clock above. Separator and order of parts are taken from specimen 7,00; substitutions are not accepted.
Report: 7,01
